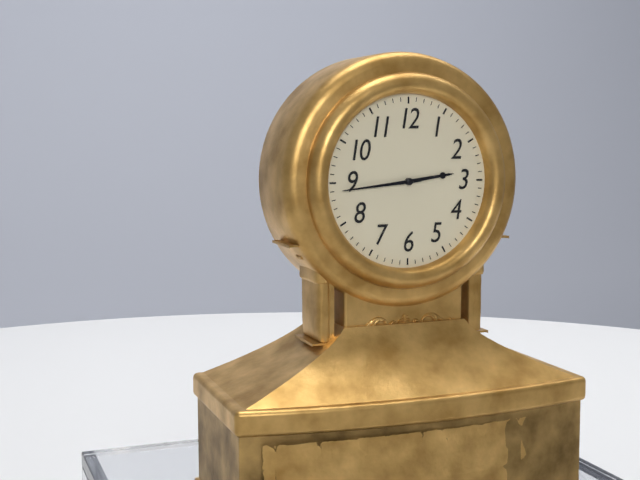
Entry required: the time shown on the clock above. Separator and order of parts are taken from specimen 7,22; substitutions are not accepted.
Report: 2,44
